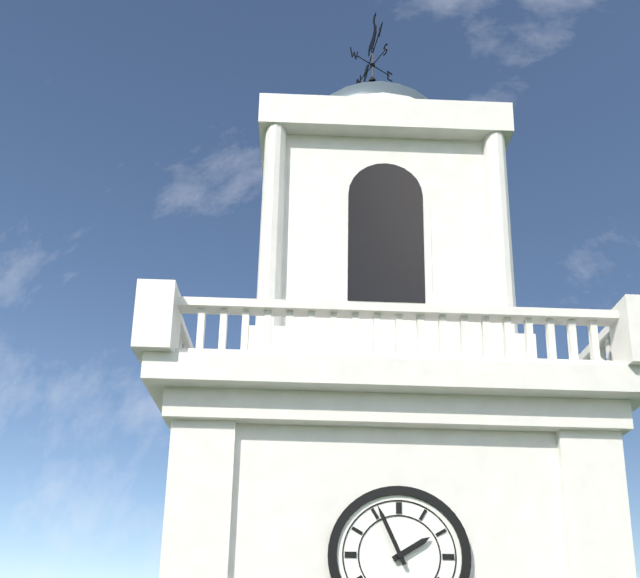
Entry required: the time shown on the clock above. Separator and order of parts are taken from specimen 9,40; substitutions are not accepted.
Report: 1,56
